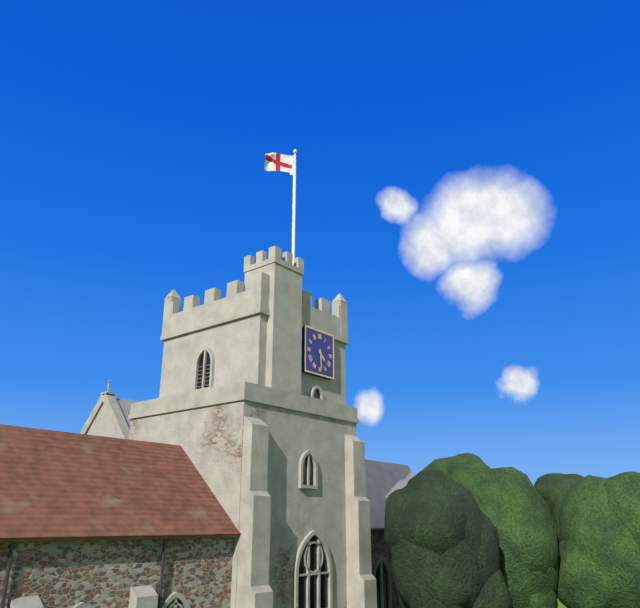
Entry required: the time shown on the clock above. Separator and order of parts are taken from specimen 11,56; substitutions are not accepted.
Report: 4,29
